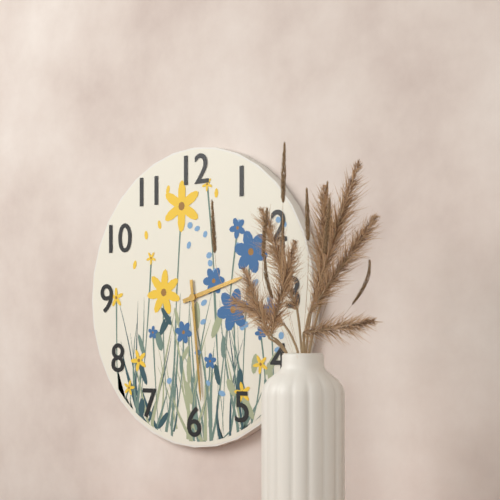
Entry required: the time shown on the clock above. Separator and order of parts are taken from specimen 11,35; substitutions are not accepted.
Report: 2,29
